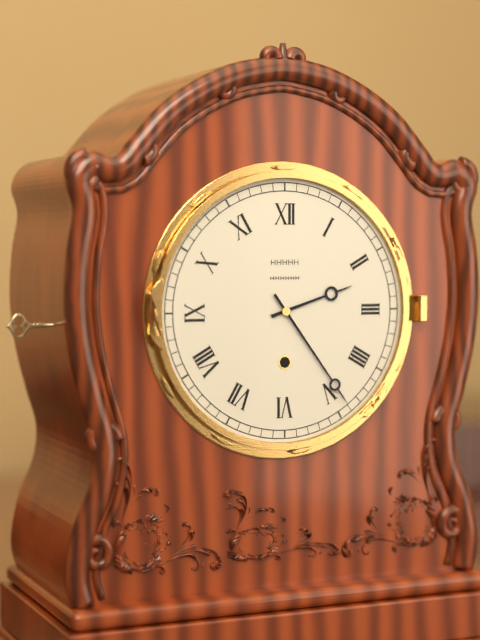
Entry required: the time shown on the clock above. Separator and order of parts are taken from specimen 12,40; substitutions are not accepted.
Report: 2,24
